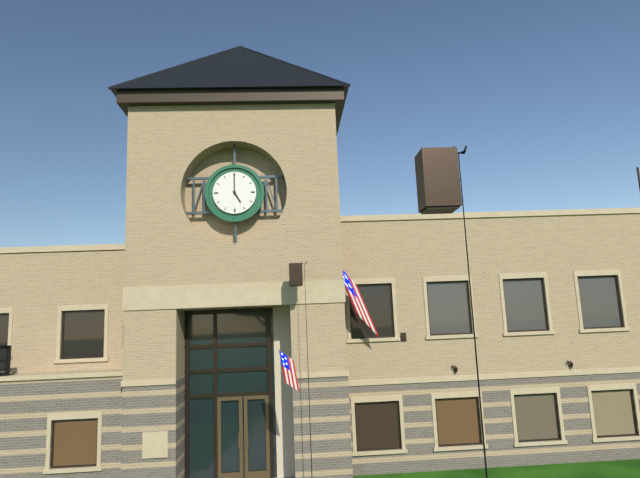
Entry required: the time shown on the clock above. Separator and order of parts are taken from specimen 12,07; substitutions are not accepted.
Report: 5,00
